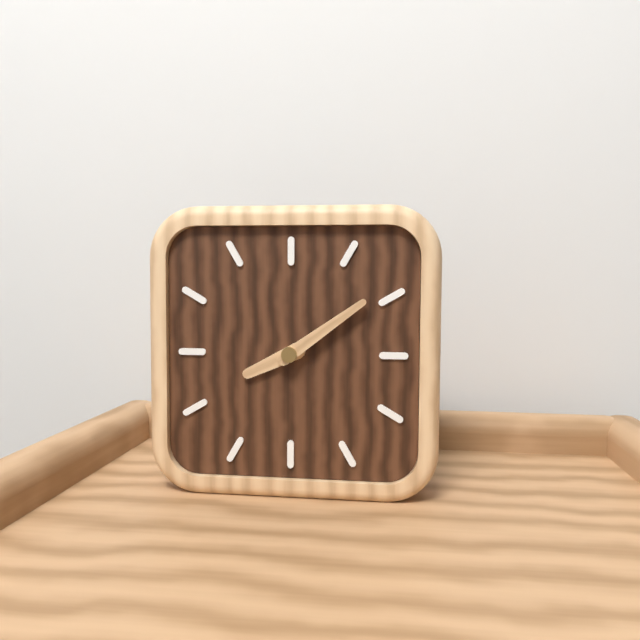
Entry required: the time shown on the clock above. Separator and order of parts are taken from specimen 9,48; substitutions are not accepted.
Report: 8,09
